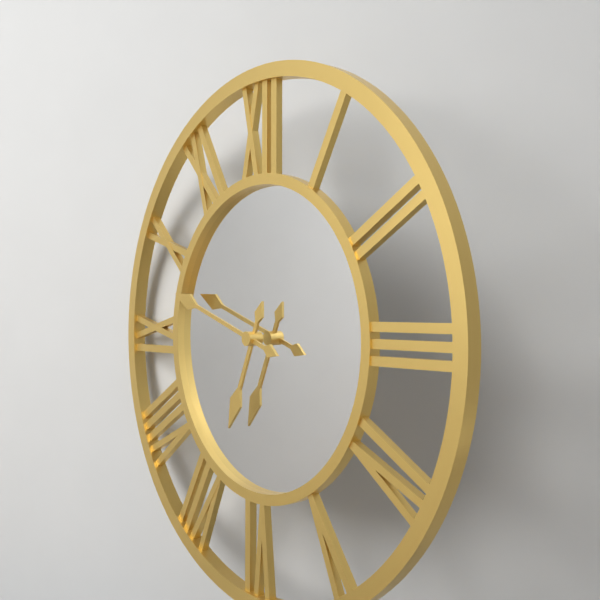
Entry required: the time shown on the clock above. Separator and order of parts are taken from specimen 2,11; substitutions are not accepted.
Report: 6,48
